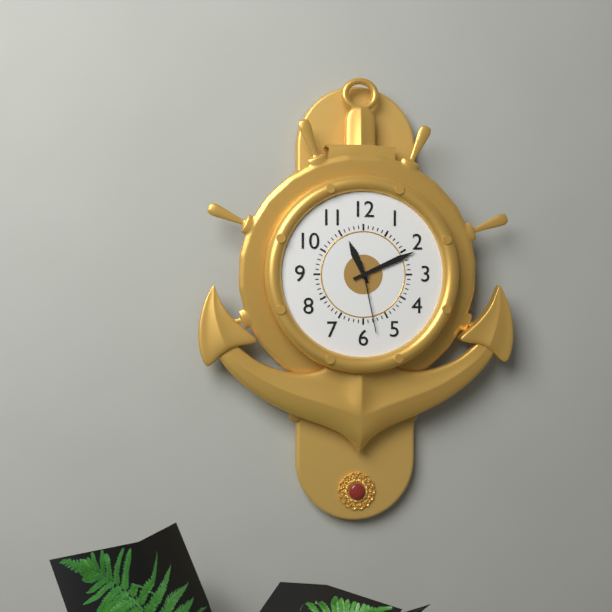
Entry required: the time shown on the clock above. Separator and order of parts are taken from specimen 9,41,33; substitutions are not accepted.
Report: 11,11,28
